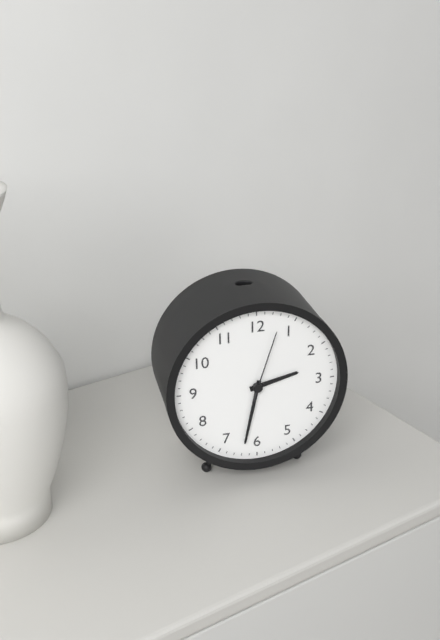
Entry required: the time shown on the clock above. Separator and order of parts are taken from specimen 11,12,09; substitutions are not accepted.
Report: 2,32,03
